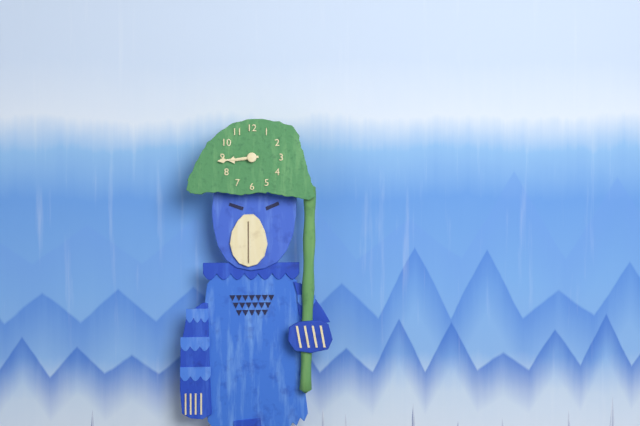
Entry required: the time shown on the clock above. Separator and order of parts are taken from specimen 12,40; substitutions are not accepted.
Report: 8,44
